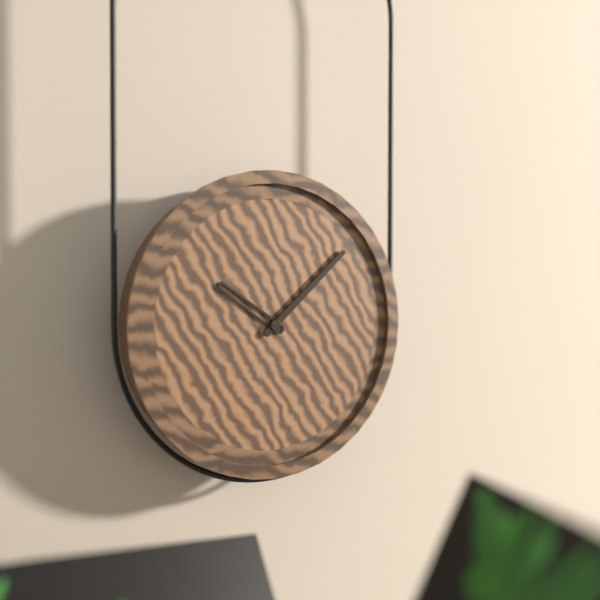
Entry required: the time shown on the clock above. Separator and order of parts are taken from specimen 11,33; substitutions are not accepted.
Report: 10,08
